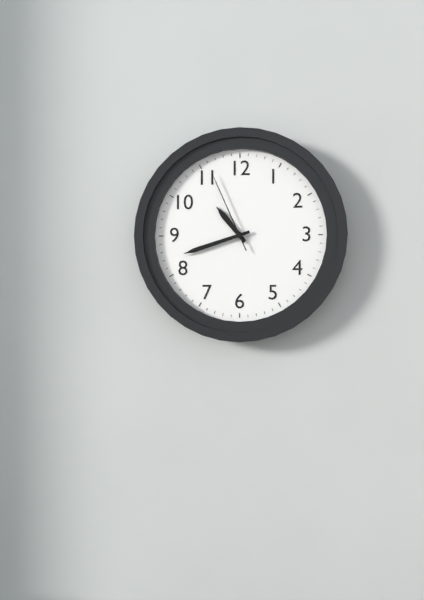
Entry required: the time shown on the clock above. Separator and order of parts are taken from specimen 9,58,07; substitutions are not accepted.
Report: 10,42,56
